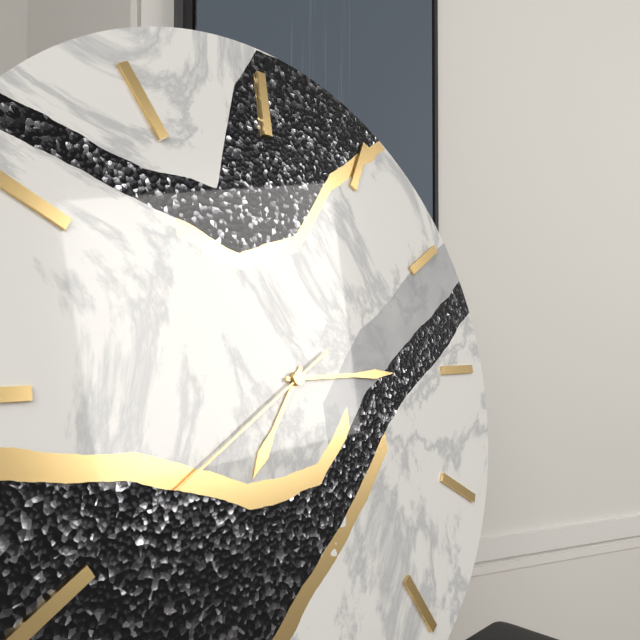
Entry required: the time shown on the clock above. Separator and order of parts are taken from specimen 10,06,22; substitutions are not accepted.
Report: 7,15,40
